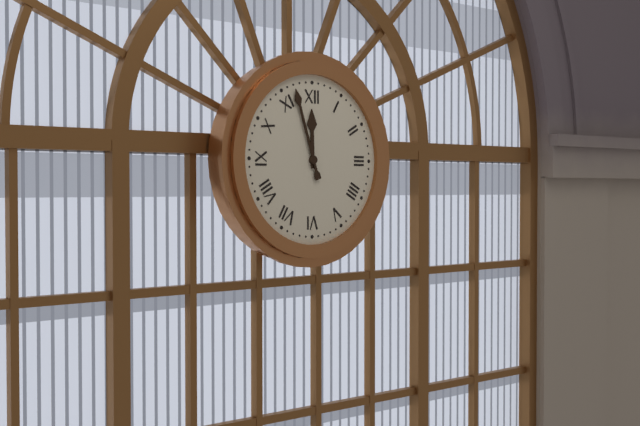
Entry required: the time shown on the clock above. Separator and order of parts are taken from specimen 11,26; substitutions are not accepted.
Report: 11,57
